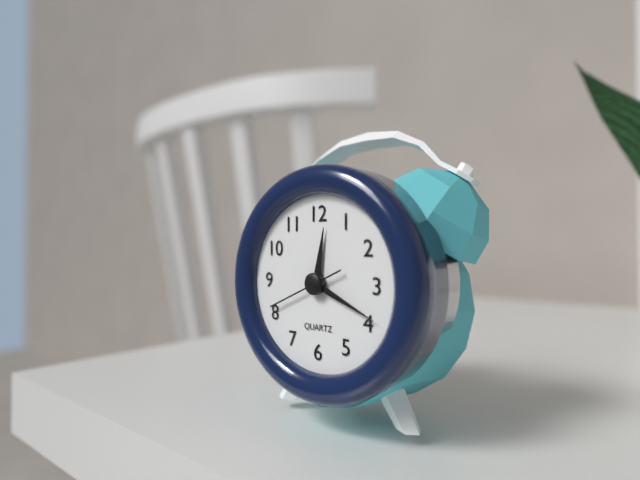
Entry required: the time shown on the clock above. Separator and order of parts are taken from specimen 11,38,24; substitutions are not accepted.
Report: 12,19,41
